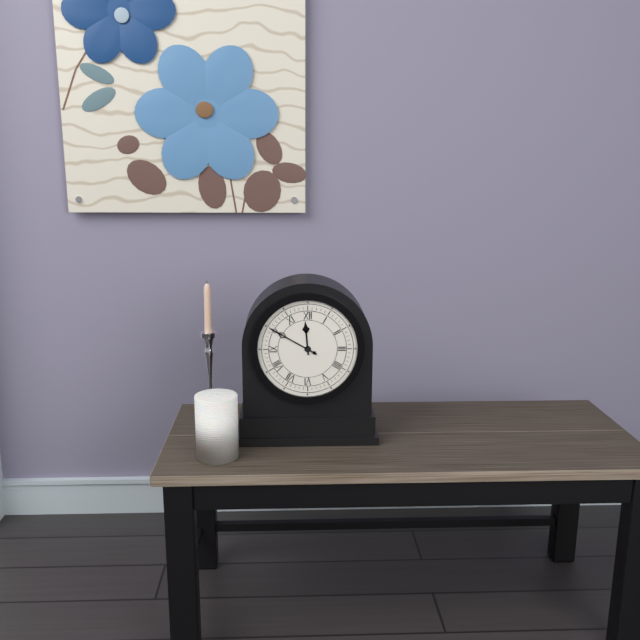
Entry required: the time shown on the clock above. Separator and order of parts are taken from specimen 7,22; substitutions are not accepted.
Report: 11,50
